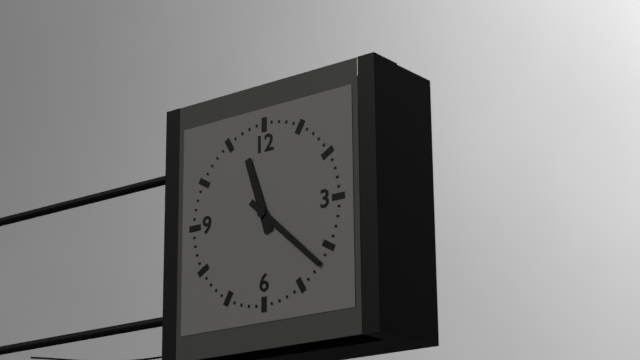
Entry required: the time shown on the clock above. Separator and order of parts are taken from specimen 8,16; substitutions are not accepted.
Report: 11,22
